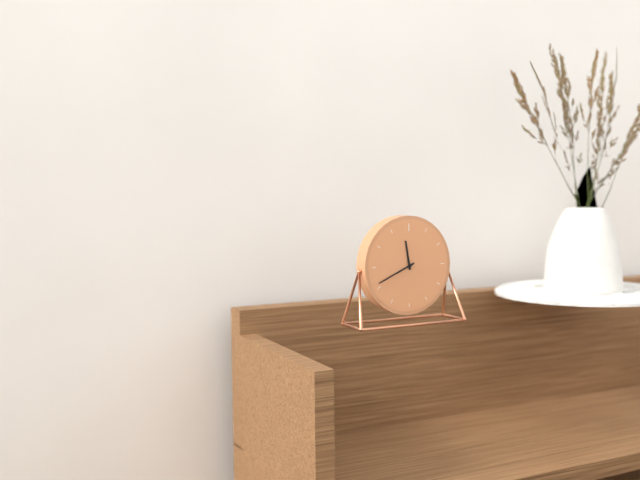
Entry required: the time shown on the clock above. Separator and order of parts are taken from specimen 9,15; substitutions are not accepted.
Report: 11,41
